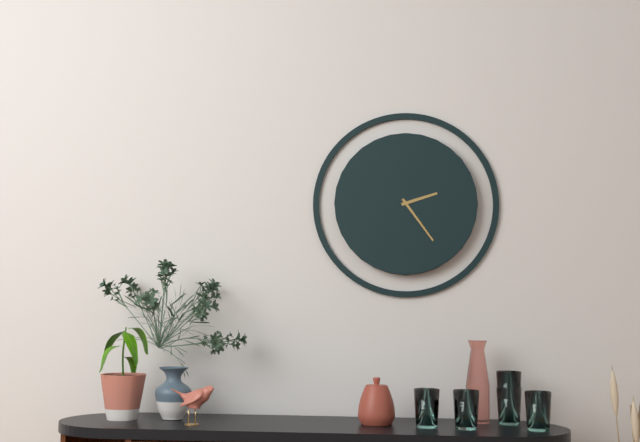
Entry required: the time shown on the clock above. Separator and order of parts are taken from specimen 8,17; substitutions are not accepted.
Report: 2,24
